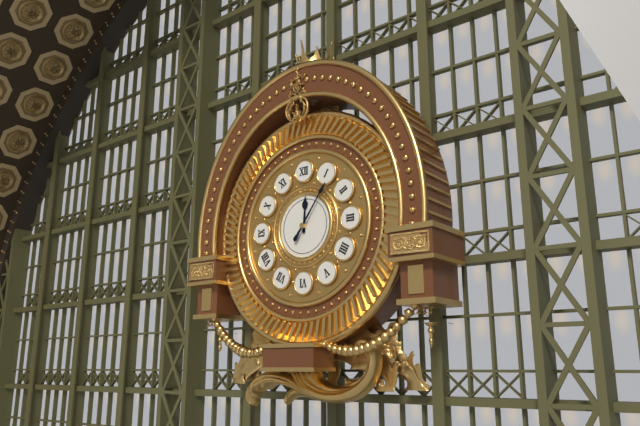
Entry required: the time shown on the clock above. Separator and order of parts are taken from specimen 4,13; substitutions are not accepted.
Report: 12,06
